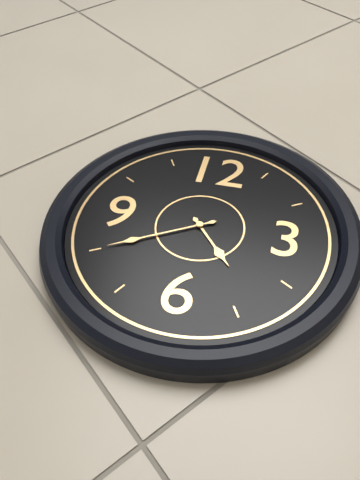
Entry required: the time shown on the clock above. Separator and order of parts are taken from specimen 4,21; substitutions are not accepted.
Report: 4,40
